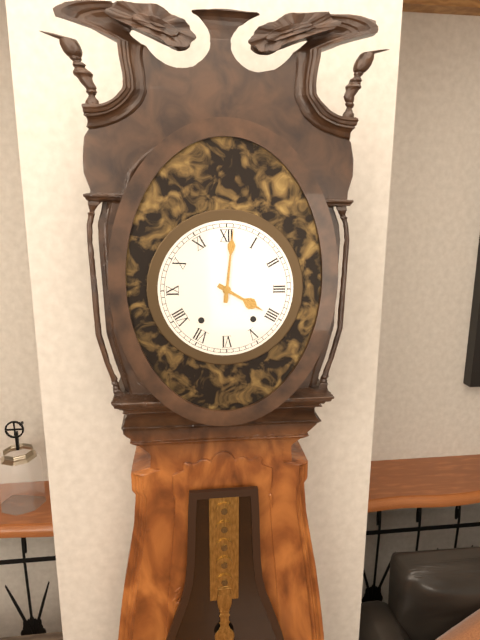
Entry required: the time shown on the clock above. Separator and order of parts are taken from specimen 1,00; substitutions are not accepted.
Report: 4,01
